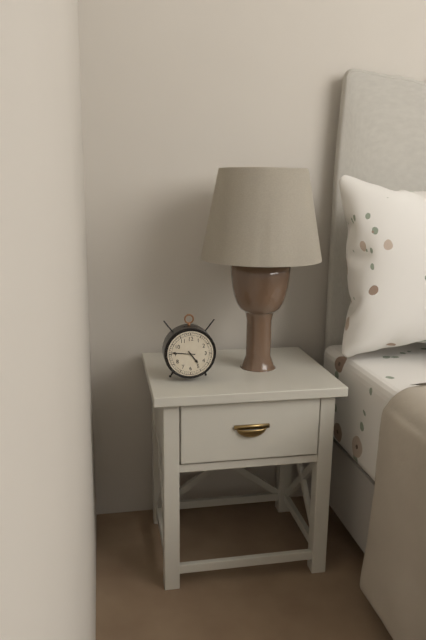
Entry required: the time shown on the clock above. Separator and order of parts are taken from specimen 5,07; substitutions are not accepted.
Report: 4,46
